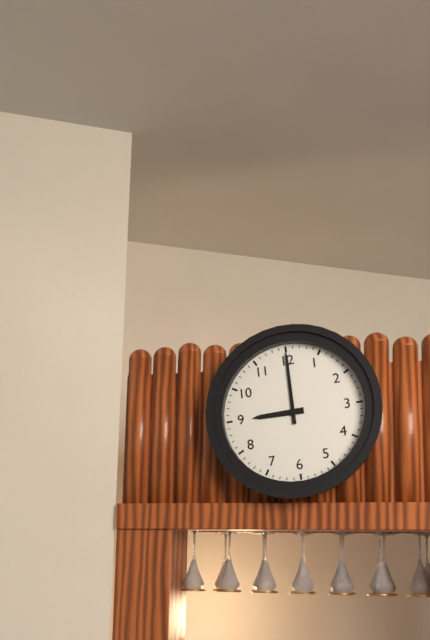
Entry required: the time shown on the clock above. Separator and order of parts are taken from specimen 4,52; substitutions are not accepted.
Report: 9,00
